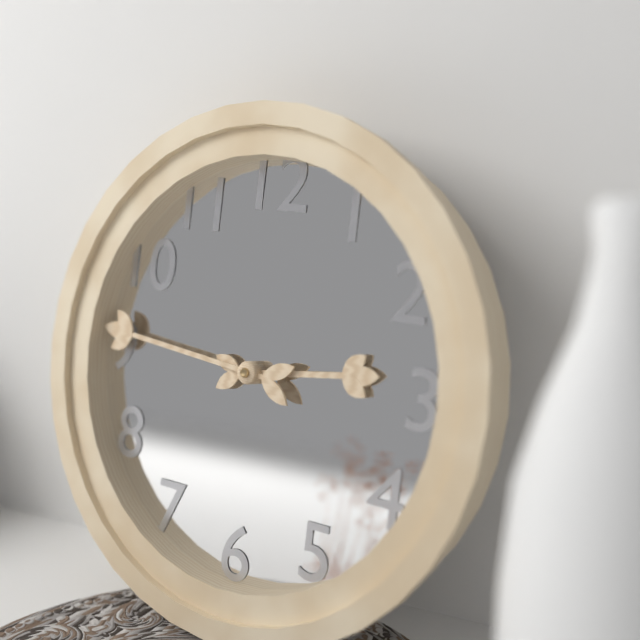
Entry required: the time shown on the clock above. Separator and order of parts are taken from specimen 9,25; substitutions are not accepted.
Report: 2,46
